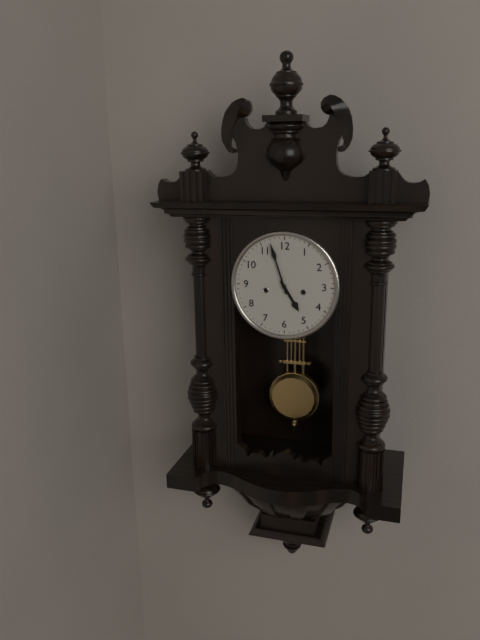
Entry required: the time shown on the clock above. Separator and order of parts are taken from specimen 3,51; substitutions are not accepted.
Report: 4,57
